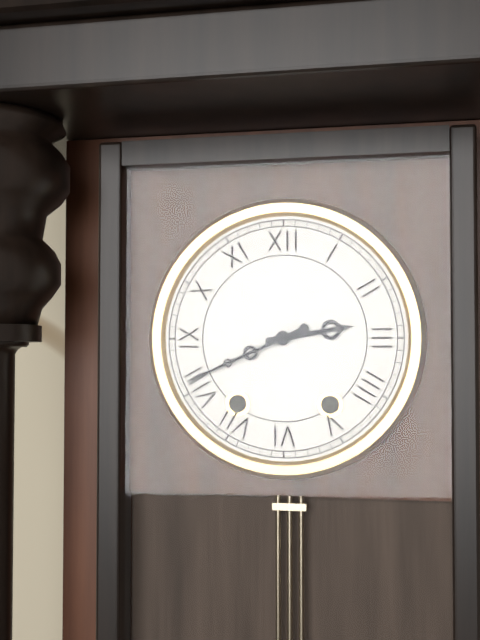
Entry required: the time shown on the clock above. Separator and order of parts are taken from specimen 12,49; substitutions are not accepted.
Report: 2,41
